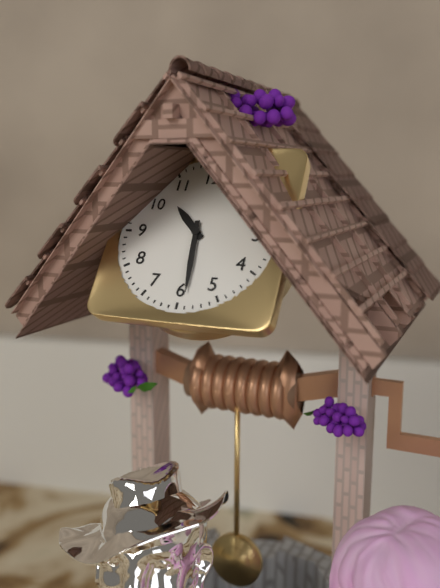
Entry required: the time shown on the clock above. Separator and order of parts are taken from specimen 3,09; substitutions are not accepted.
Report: 10,29
